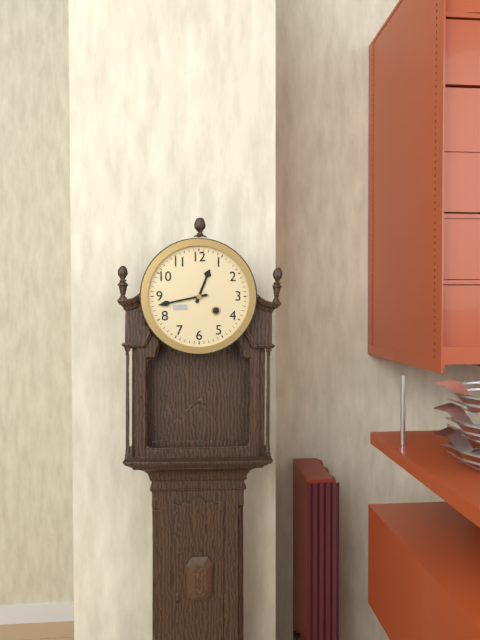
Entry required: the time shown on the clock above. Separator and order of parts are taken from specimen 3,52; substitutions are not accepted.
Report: 12,43
